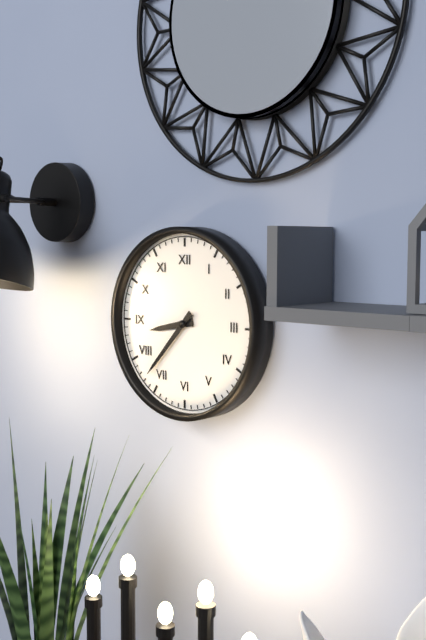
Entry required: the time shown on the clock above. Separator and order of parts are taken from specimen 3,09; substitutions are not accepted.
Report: 8,37
